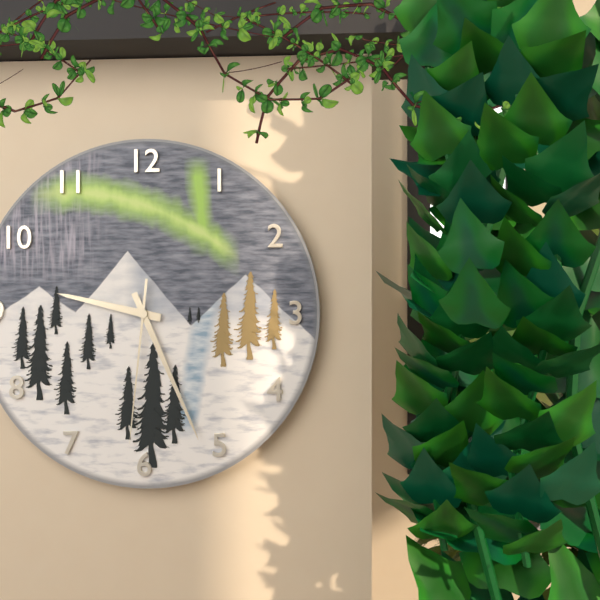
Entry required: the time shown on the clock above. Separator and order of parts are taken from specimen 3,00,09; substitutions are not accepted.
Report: 9,26,31
